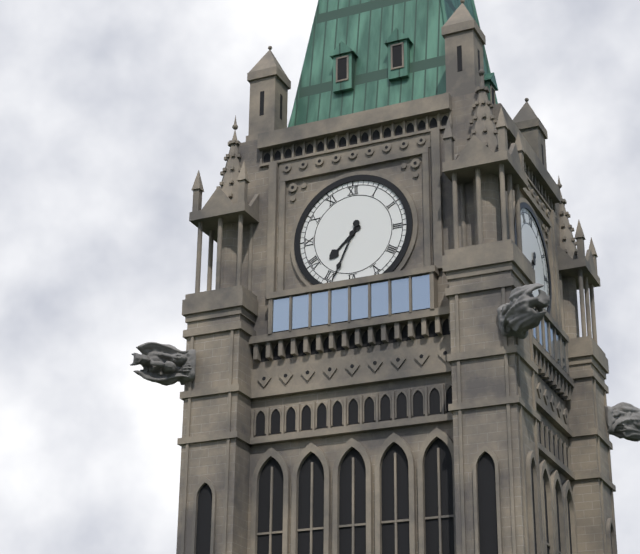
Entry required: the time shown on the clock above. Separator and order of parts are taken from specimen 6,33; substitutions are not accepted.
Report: 7,34
